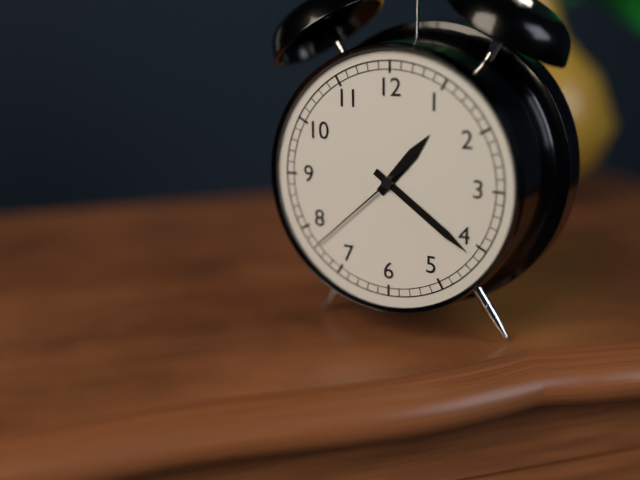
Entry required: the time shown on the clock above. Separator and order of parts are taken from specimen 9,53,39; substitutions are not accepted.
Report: 1,21,38
